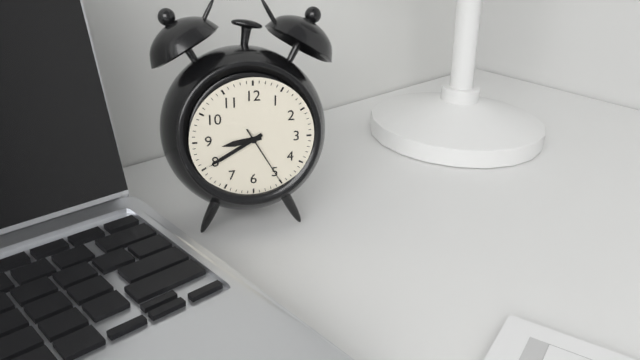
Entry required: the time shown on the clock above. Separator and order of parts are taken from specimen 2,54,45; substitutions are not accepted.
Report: 8,40,25
